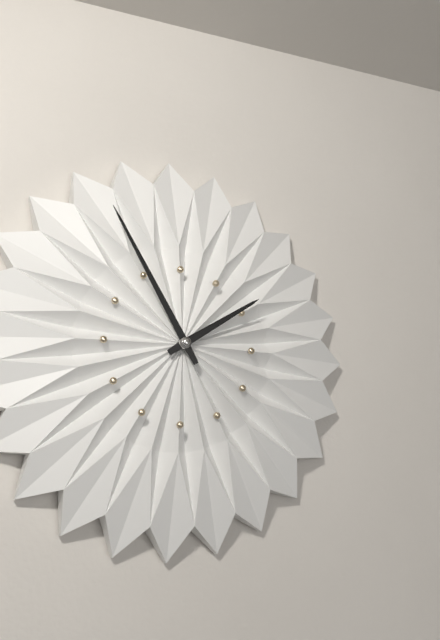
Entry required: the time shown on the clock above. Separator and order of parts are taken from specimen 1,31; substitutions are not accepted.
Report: 1,55
